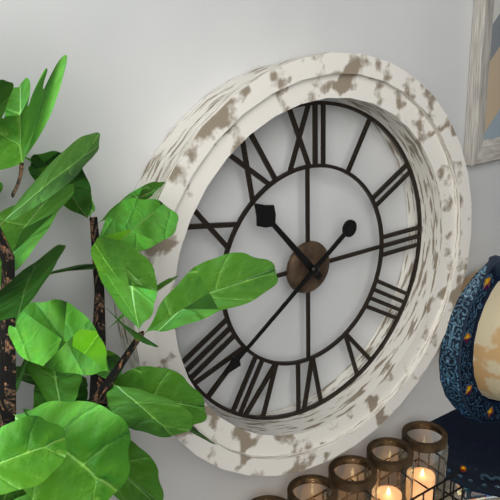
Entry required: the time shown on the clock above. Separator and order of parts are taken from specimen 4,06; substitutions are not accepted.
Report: 10,39
